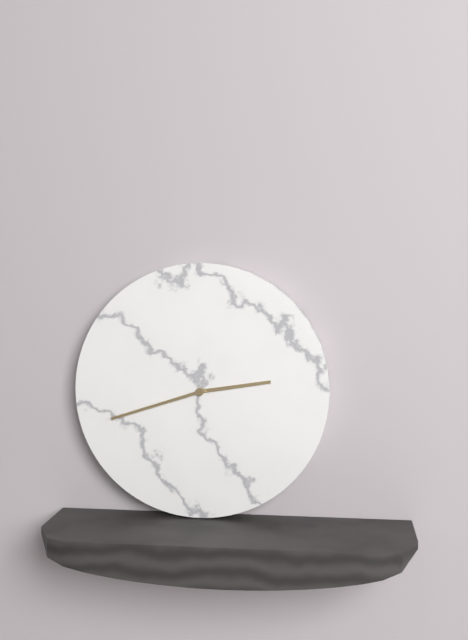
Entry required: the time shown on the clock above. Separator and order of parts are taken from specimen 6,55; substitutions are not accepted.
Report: 2,42
